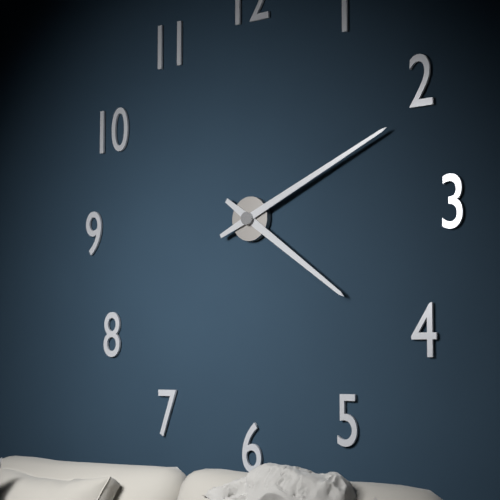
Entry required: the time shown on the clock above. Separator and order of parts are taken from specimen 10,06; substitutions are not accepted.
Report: 4,11
